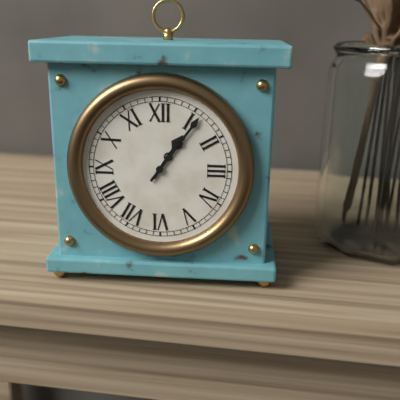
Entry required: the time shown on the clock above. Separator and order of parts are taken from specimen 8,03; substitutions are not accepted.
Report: 1,06
